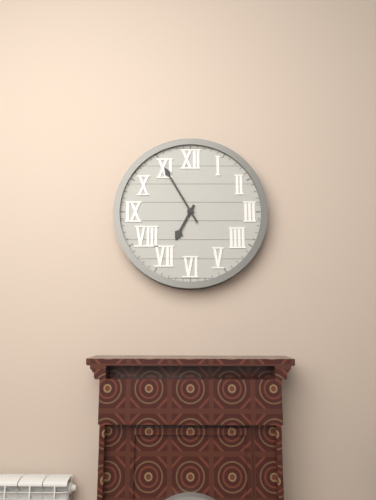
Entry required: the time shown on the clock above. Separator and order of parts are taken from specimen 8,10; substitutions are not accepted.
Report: 6,55
